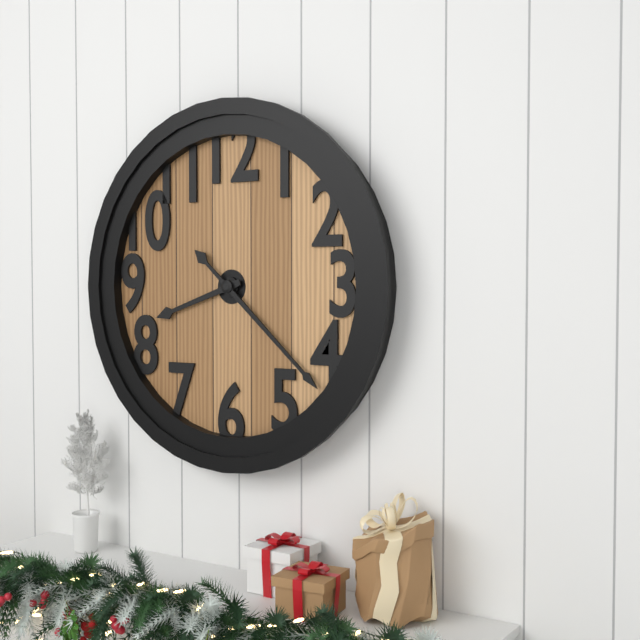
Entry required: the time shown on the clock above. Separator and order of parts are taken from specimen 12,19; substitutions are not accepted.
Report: 8,22
